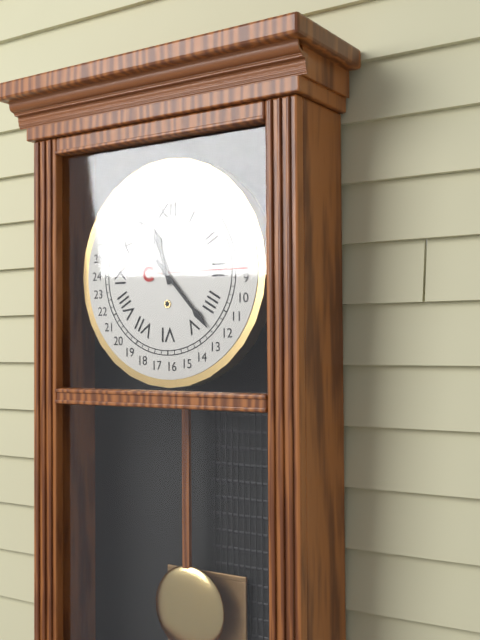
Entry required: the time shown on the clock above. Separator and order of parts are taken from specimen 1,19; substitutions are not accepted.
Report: 11,23
